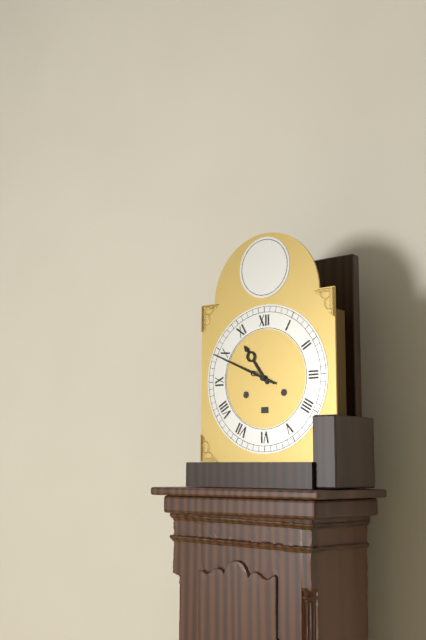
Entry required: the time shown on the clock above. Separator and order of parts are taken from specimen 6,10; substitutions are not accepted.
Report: 10,49
